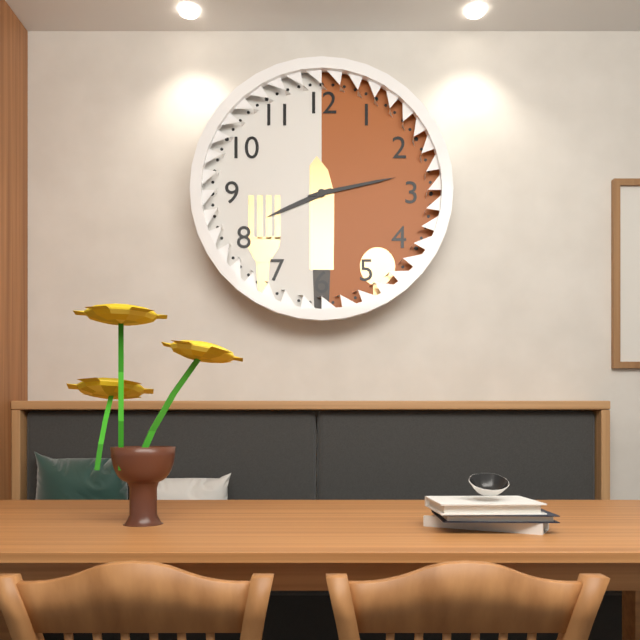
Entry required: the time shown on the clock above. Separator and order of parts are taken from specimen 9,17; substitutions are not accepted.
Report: 8,13
